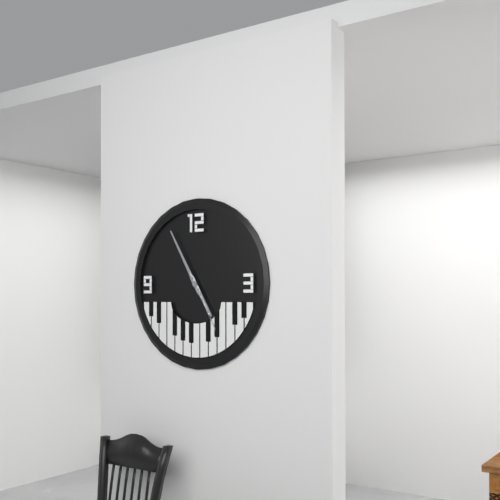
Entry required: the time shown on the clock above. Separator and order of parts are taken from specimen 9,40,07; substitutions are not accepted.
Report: 4,55,25
